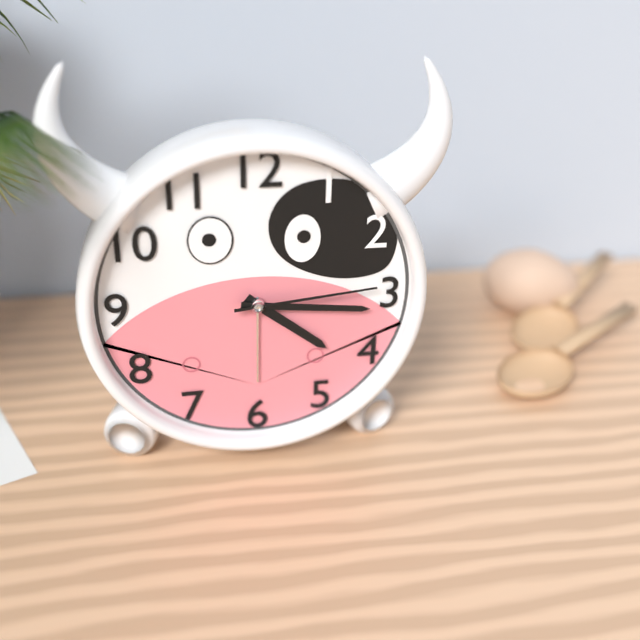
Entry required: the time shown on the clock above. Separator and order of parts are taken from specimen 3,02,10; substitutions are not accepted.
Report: 4,16,14
